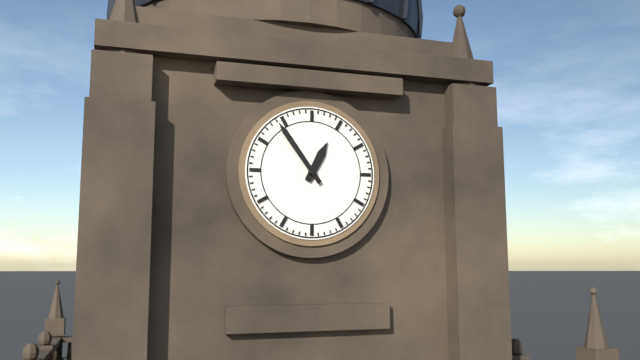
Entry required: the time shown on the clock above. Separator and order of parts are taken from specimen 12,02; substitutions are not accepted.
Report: 12,54
